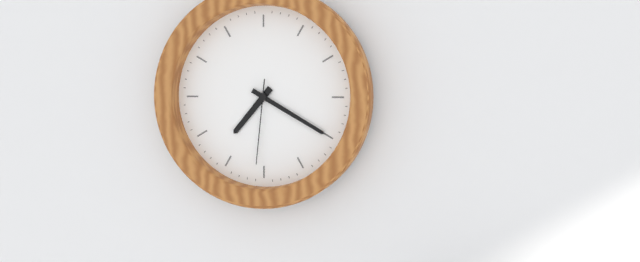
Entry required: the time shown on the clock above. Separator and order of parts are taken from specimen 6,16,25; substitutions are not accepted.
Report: 7,20,31
